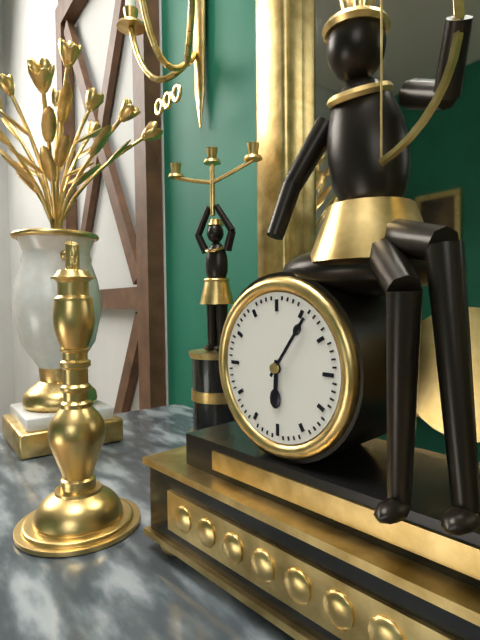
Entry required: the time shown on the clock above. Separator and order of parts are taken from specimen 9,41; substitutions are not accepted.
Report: 6,06
